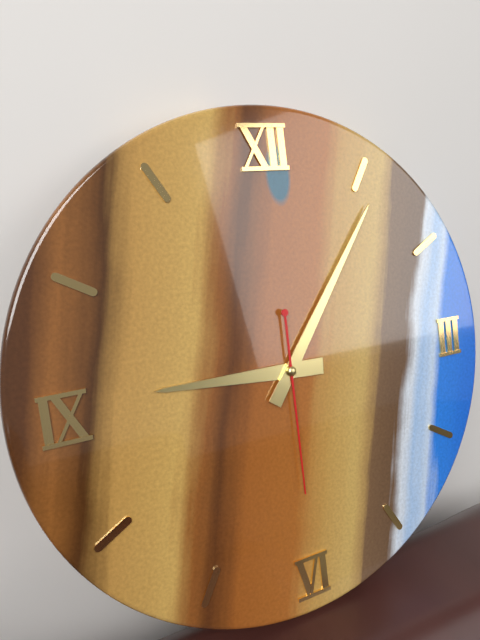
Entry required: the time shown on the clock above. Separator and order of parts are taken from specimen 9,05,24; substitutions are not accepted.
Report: 9,06,30
